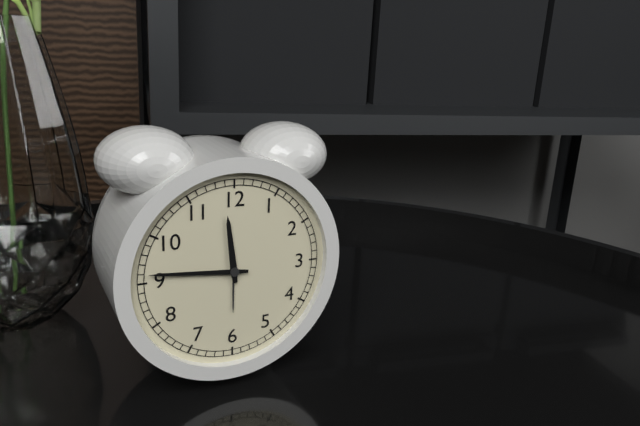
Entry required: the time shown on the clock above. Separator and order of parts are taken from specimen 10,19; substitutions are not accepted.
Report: 11,46
